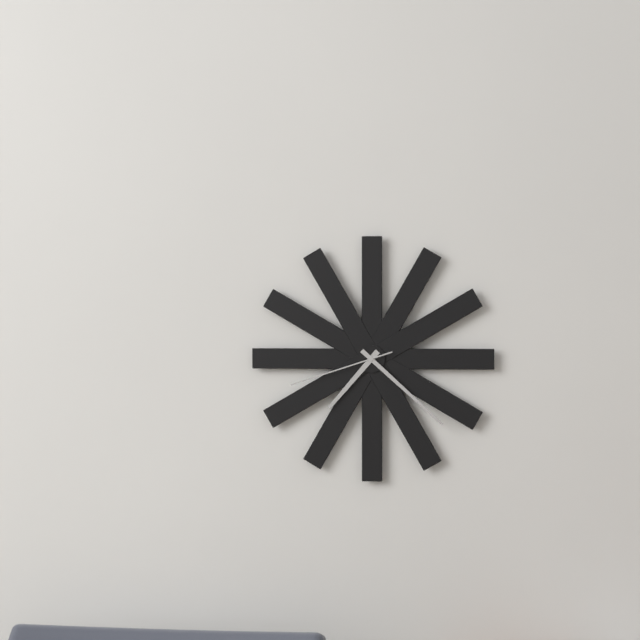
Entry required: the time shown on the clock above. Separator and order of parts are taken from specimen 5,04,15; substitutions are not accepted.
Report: 7,22,42
